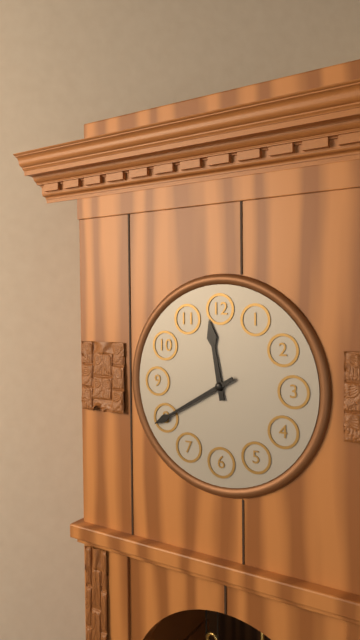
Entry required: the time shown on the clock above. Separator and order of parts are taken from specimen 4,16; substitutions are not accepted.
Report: 11,40
